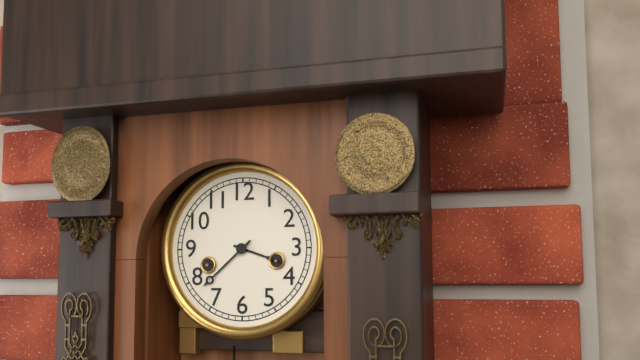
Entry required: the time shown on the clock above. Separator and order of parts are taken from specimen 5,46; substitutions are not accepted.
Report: 3,38
